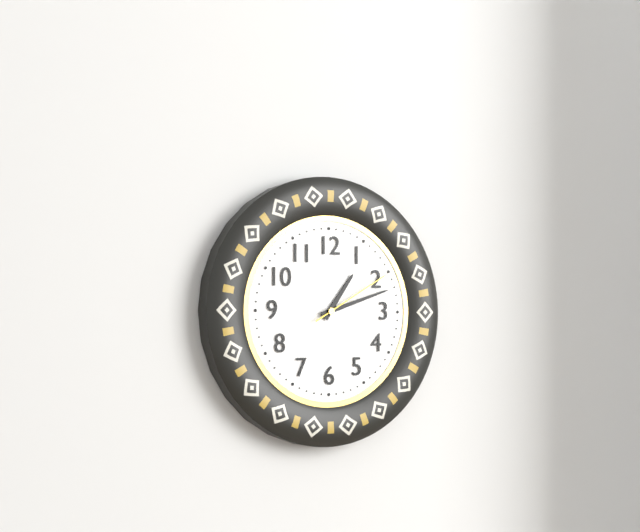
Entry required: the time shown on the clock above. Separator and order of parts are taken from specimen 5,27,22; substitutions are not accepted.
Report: 1,12,10
